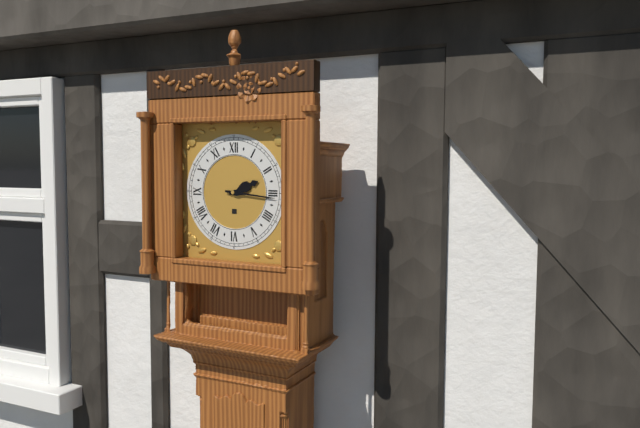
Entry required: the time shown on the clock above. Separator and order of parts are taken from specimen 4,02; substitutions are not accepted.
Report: 2,16
